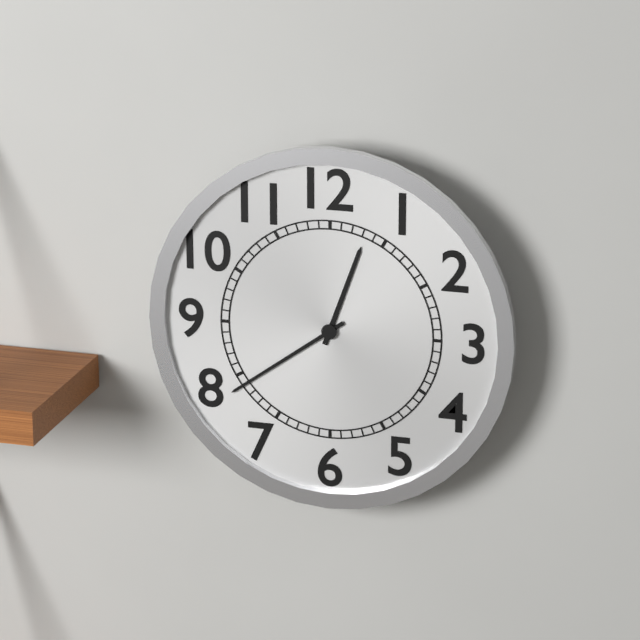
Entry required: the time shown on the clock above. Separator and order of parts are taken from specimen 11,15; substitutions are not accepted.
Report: 12,39
